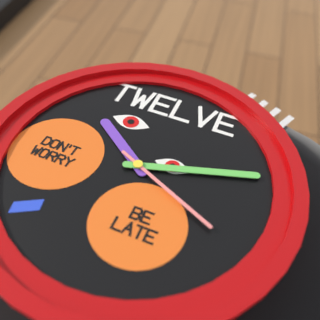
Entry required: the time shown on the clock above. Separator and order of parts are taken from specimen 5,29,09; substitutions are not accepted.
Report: 10,12,19
